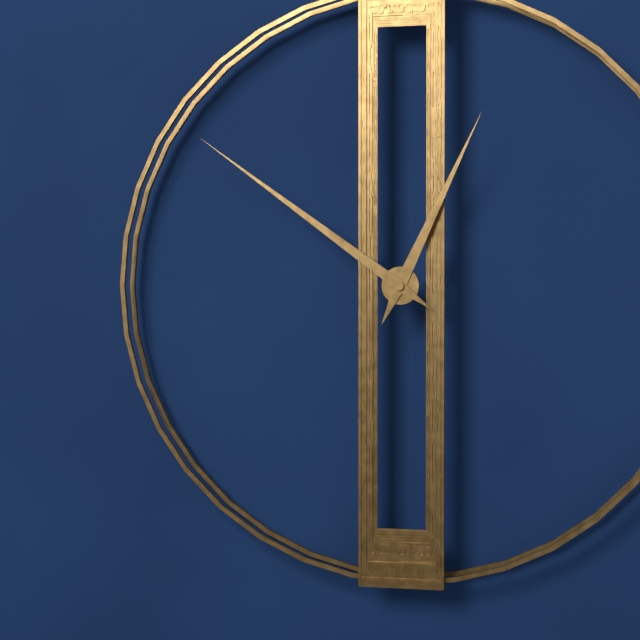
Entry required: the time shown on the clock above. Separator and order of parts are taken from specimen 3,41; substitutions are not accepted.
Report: 12,51
